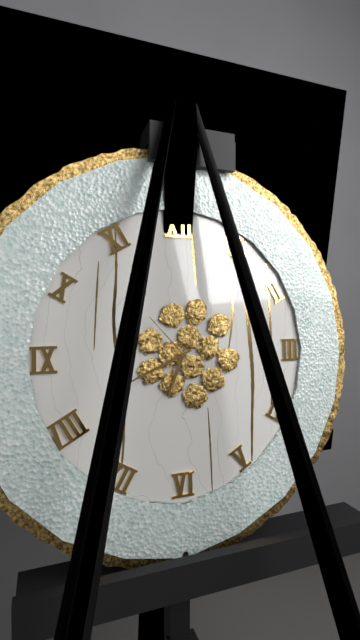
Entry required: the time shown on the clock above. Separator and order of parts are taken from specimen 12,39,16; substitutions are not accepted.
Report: 6,41,53
